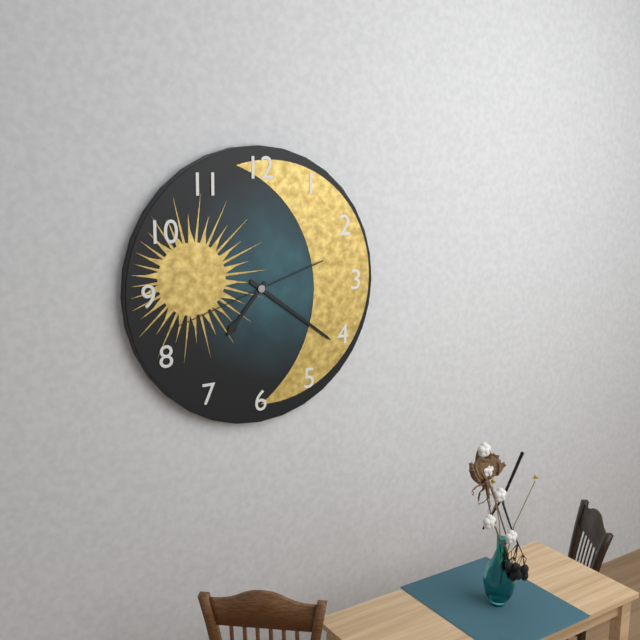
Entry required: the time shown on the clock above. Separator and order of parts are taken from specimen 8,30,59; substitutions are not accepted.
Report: 7,21,42
